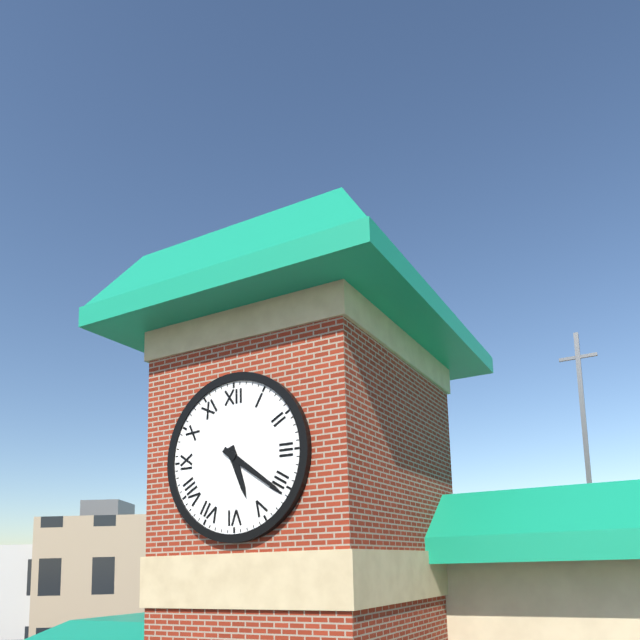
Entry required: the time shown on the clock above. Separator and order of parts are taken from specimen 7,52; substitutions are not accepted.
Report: 5,21
